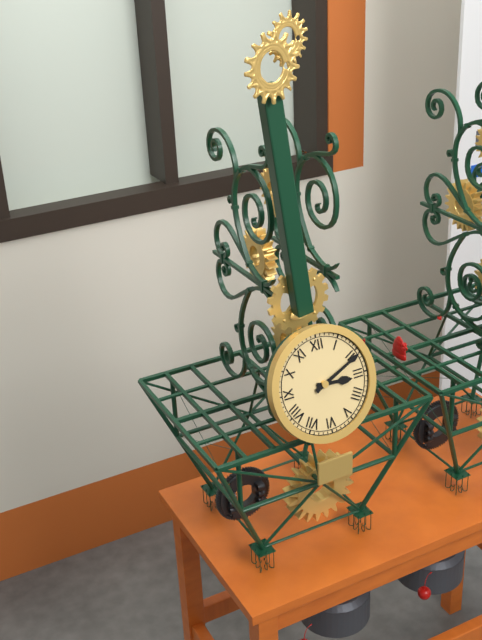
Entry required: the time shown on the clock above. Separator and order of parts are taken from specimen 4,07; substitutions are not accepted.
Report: 3,11
